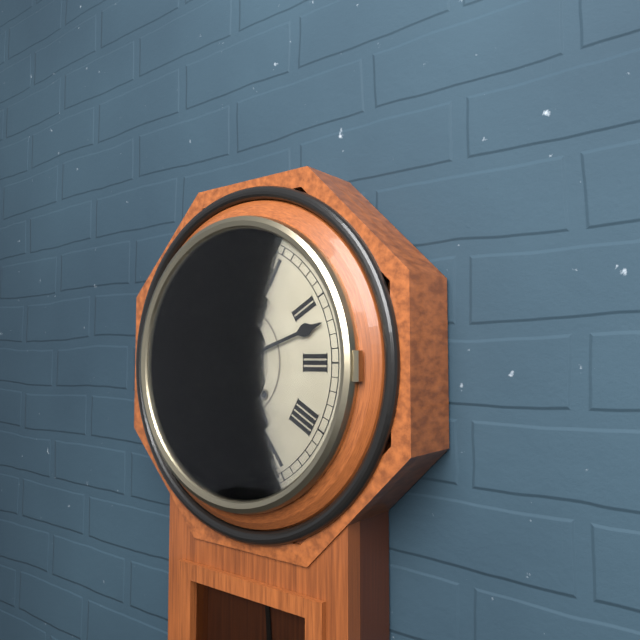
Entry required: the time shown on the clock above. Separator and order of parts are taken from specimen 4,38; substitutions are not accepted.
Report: 12,12
